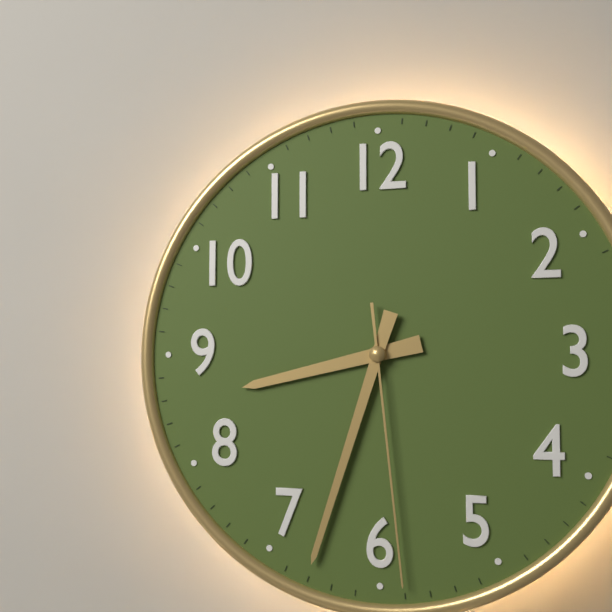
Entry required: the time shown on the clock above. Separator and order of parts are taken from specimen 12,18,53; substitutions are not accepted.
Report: 8,33,29
